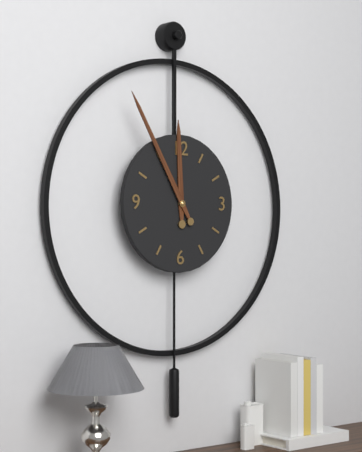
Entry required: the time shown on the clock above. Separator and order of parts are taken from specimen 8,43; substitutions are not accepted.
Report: 11,55
